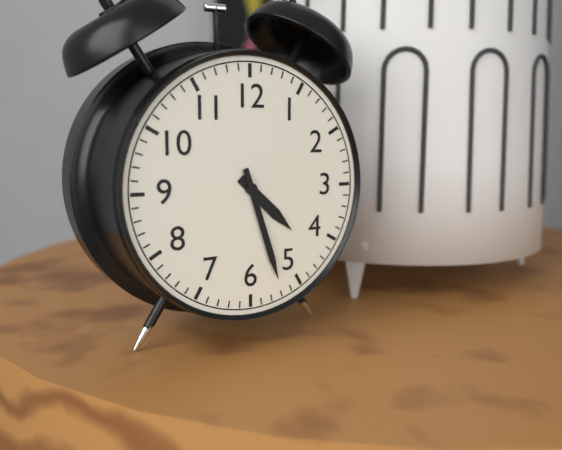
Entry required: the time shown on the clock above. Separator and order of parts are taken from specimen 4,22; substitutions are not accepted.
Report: 4,27
